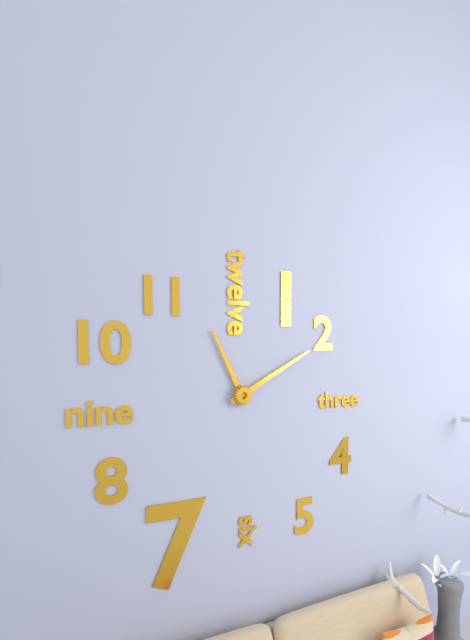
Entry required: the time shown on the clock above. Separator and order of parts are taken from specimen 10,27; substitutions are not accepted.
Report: 11,10
